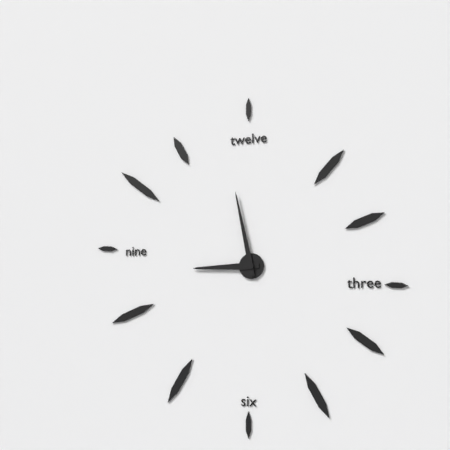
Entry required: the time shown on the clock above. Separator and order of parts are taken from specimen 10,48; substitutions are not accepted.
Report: 8,58
